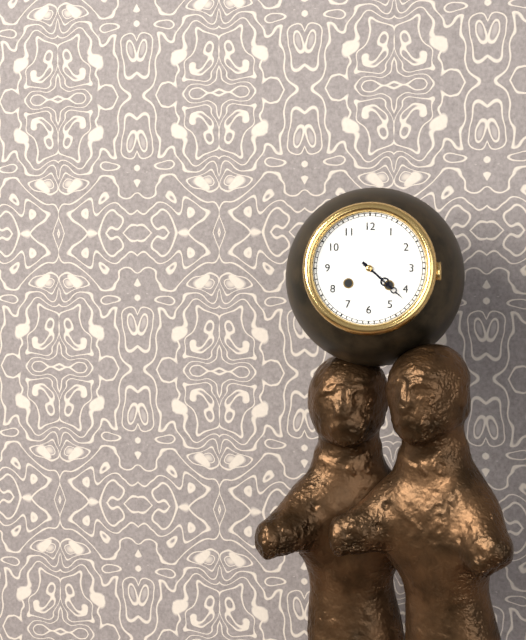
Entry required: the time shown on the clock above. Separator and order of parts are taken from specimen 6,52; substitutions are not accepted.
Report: 4,22
